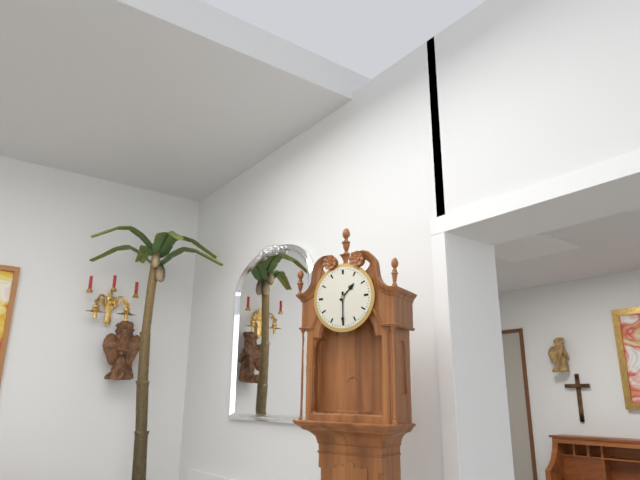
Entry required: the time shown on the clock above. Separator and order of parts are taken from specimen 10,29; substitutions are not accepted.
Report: 1,30
